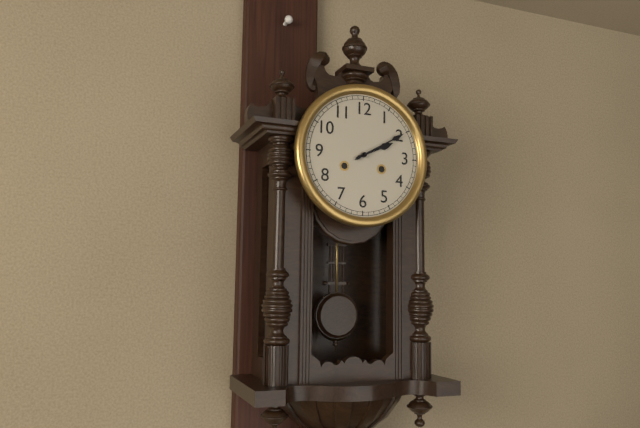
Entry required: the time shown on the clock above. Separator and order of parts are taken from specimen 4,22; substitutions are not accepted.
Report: 2,10
